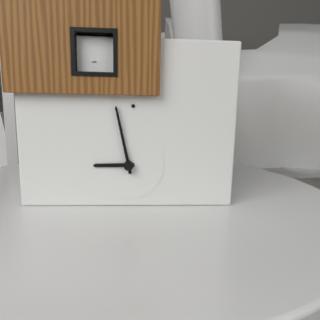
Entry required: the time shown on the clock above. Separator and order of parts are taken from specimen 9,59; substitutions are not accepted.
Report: 8,58
